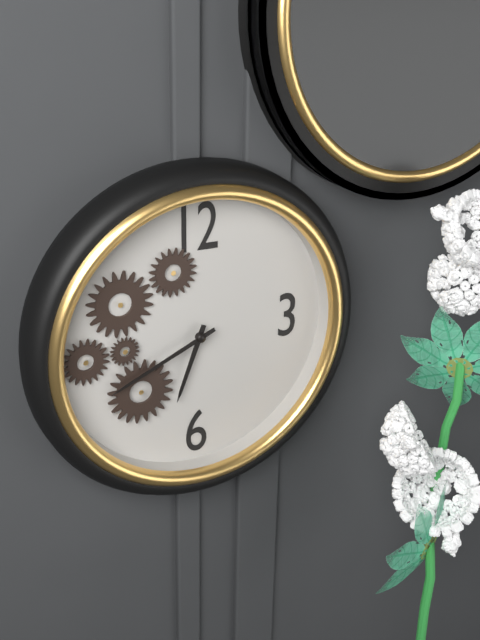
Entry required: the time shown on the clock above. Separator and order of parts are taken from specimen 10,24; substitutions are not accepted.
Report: 6,41
